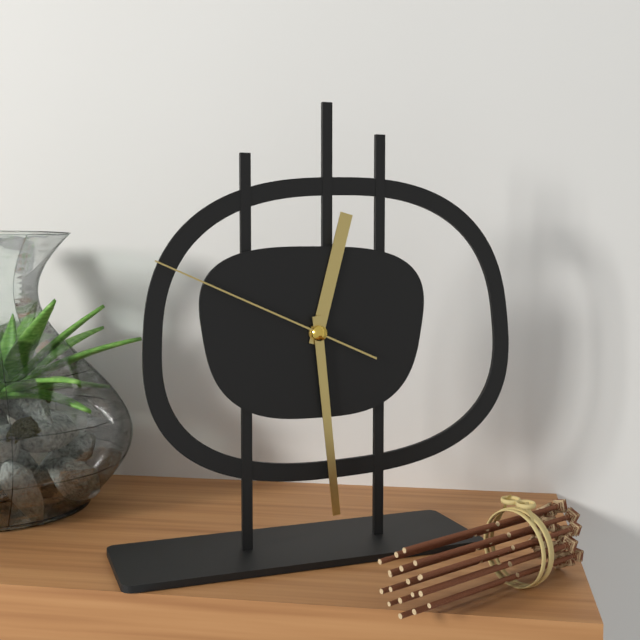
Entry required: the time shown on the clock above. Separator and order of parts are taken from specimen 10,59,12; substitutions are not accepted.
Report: 12,29,49
